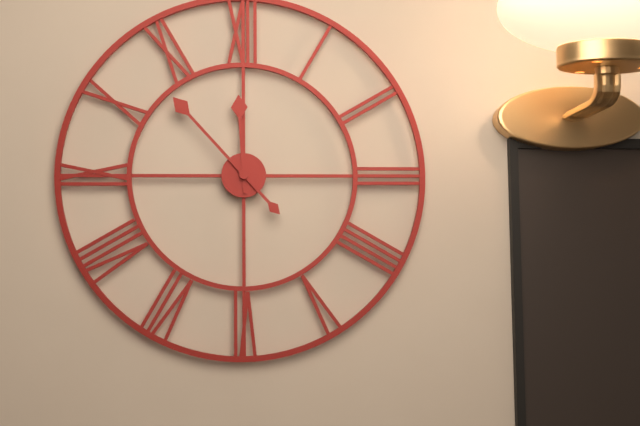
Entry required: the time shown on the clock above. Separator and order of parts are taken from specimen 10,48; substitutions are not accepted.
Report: 11,53
